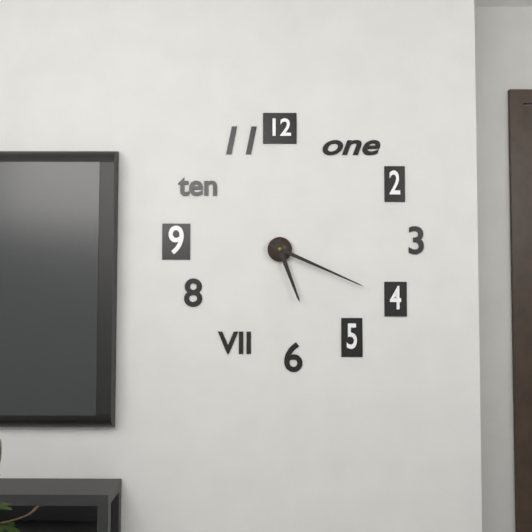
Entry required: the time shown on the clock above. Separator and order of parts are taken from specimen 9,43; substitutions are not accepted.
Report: 5,19
